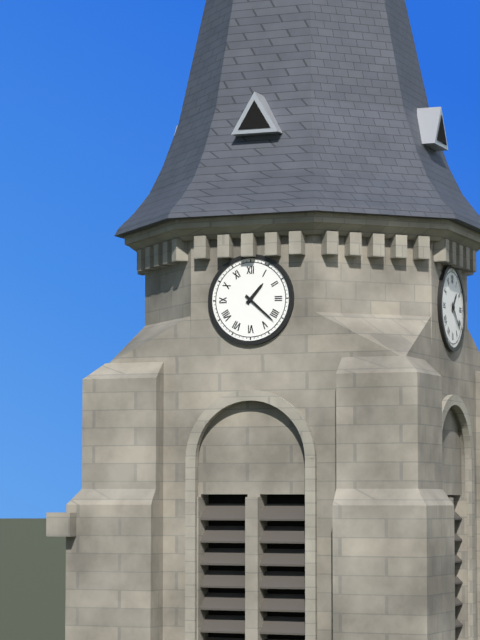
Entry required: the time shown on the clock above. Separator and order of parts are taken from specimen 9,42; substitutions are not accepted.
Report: 1,22
